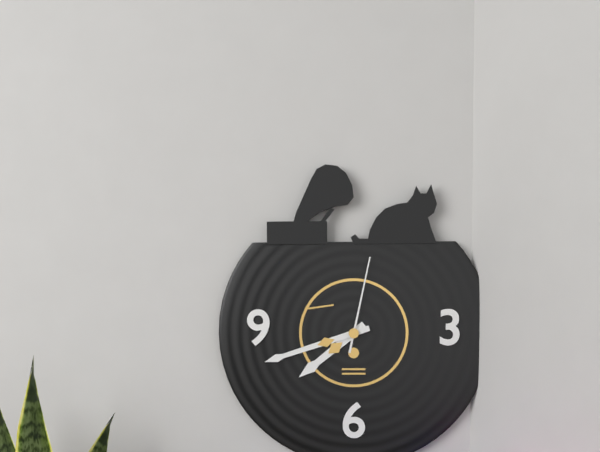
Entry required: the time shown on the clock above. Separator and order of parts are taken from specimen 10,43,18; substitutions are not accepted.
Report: 7,42,02
